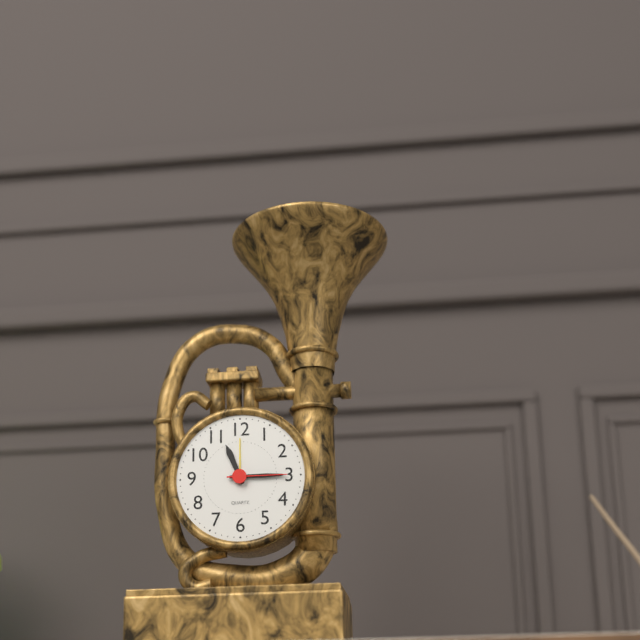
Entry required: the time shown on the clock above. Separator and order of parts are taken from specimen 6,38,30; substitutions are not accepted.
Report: 11,15,15
